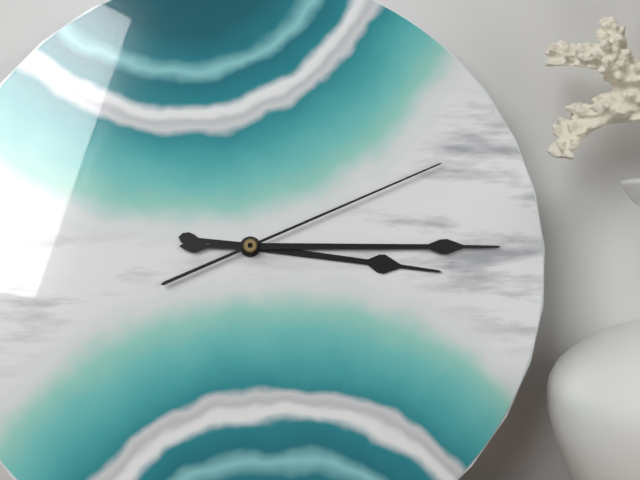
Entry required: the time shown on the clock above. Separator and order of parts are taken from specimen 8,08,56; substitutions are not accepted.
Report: 3,15,11
